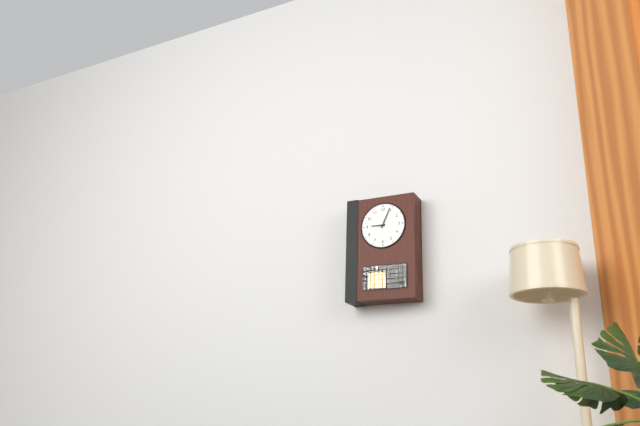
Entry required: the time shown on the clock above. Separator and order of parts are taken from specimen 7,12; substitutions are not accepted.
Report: 9,04
